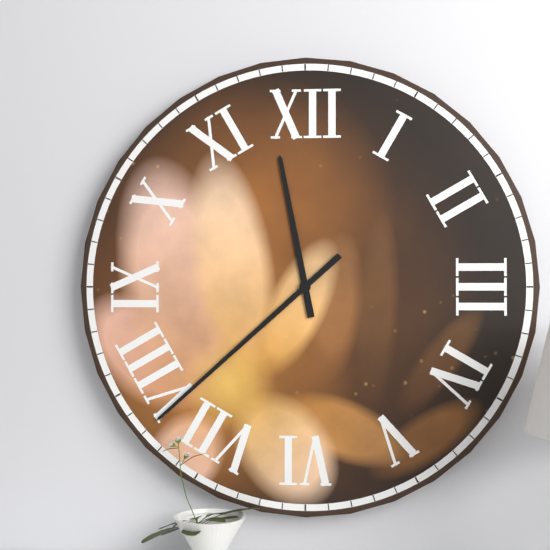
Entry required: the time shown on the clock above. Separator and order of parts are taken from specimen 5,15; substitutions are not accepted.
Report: 11,38
